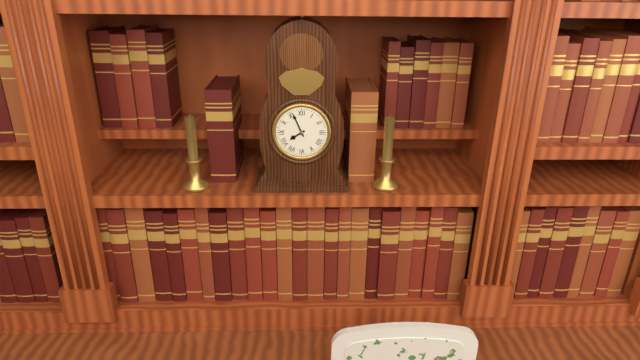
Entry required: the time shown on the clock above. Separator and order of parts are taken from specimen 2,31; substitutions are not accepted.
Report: 7,56
